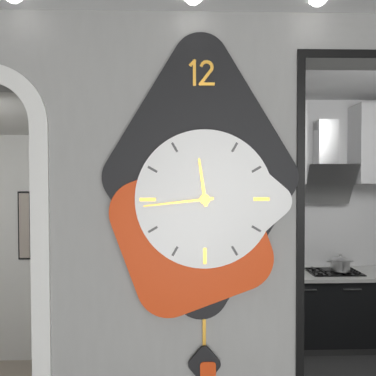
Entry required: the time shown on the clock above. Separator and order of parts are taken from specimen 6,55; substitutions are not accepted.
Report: 11,44
